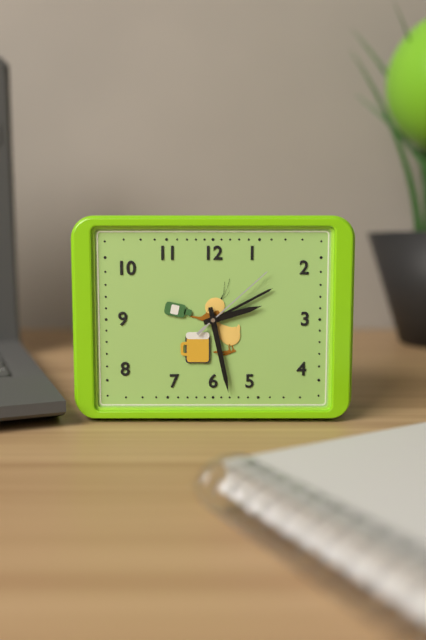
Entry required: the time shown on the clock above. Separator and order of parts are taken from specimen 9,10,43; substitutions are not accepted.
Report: 2,28,08
